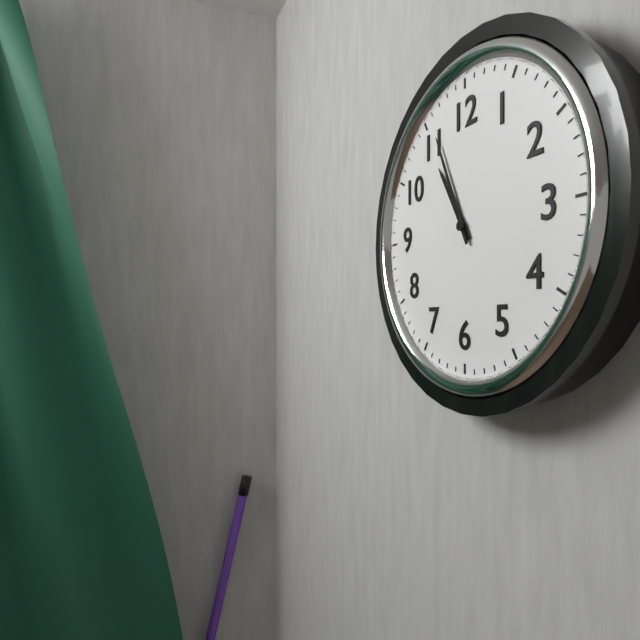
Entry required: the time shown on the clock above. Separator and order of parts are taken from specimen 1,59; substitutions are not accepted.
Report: 10,56
